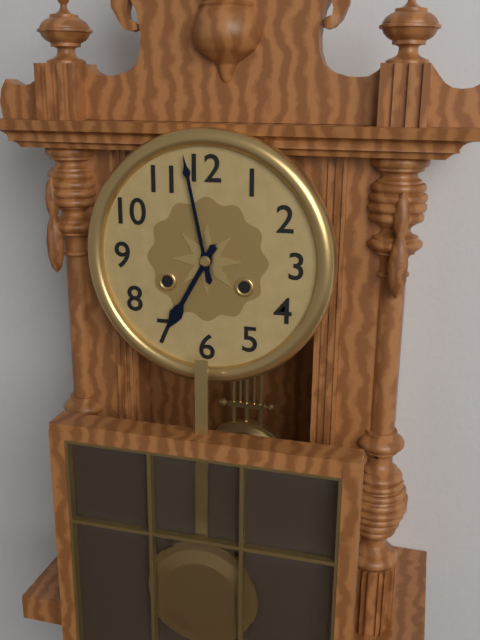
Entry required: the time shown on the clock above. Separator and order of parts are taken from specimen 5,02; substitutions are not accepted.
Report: 6,58
